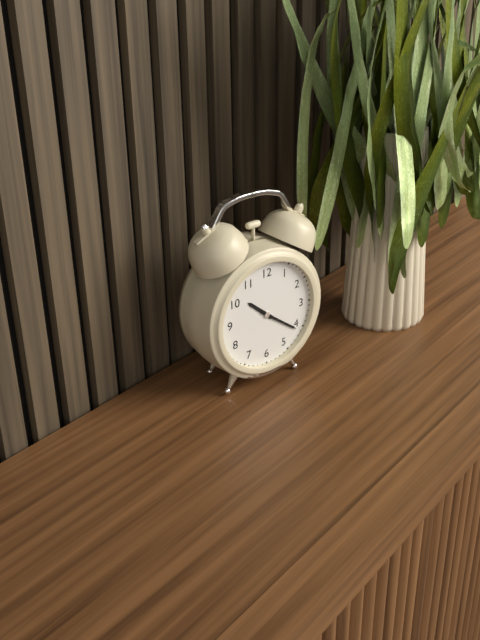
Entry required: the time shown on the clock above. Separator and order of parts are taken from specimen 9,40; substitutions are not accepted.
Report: 10,21
